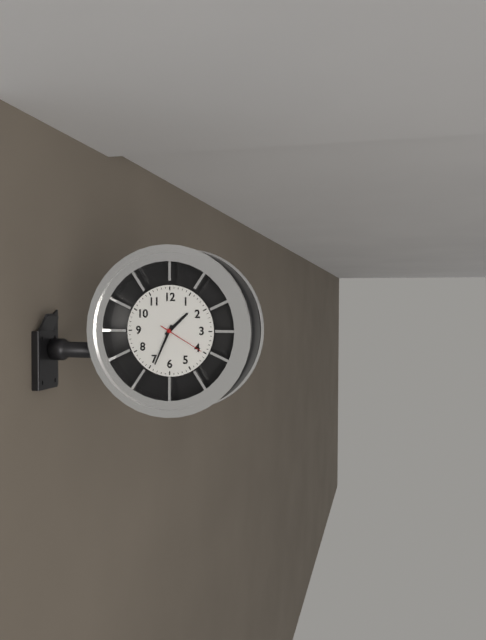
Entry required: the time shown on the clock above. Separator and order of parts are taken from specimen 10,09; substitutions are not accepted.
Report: 1,34
